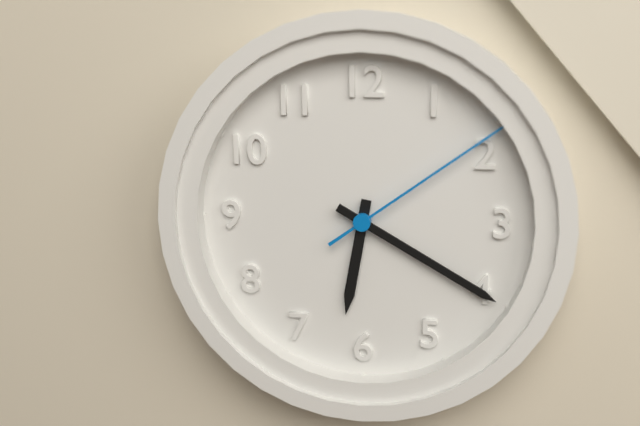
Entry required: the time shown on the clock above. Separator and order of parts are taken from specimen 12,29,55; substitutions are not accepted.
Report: 6,20,09
